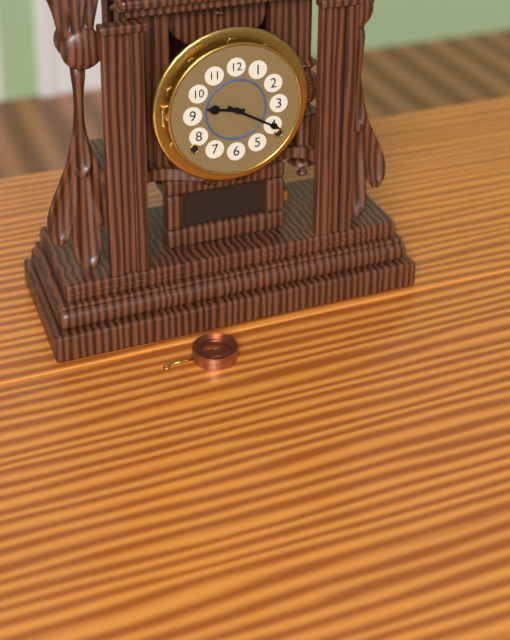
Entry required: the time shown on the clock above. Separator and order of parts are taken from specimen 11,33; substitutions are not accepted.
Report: 9,20
